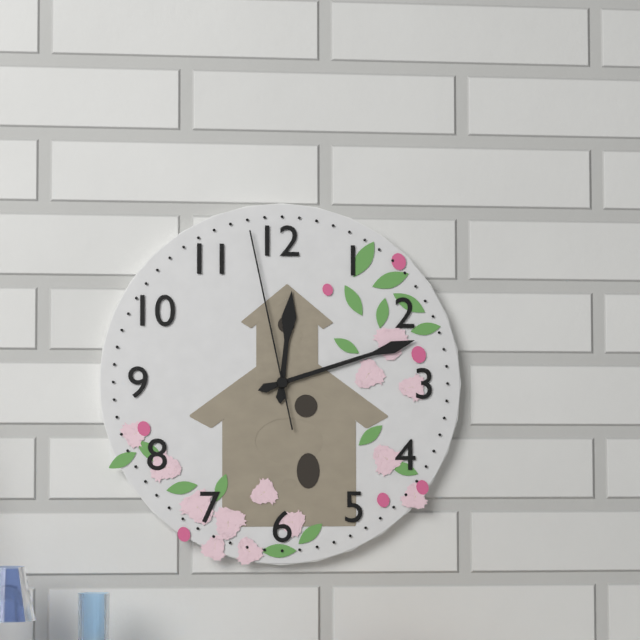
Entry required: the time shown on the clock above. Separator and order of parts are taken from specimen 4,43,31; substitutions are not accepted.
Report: 12,12,58
